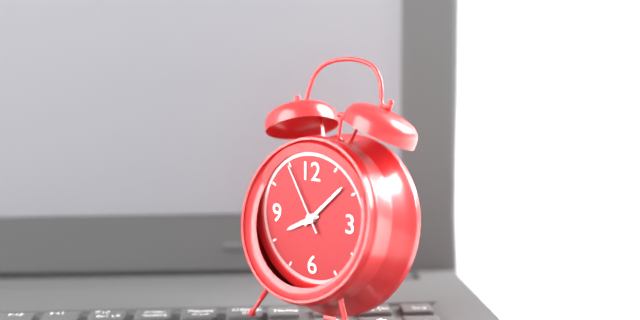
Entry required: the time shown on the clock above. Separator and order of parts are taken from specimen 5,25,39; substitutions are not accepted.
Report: 8,08,55
